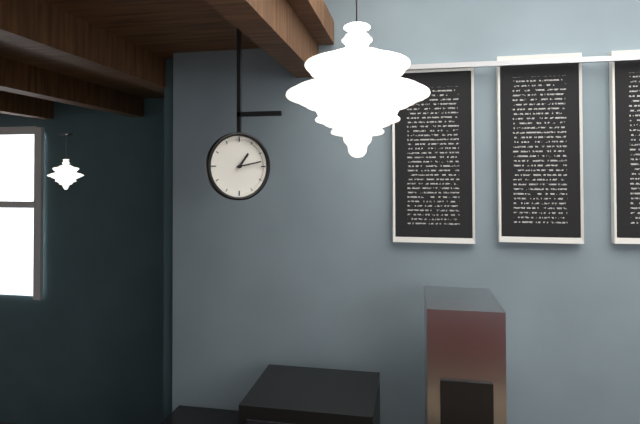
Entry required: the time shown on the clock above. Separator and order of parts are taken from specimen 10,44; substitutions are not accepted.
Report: 1,13
